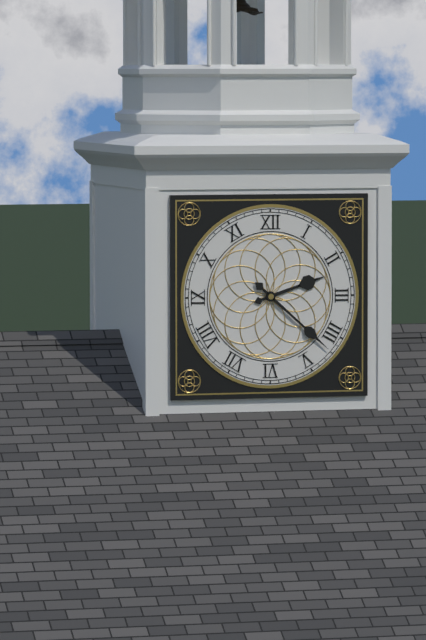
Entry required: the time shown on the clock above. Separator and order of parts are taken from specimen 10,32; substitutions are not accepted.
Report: 2,22
